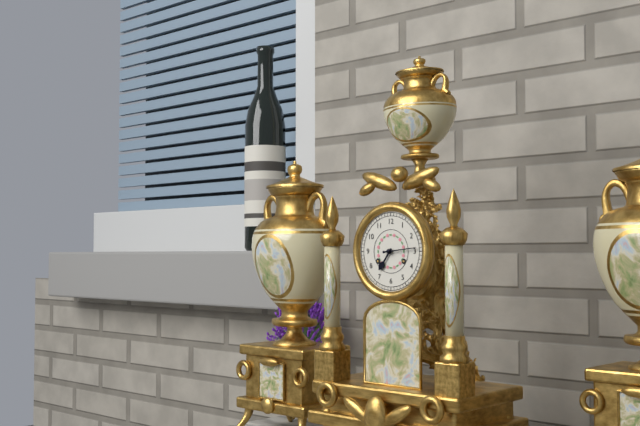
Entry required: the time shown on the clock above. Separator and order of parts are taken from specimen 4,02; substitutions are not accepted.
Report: 7,14
